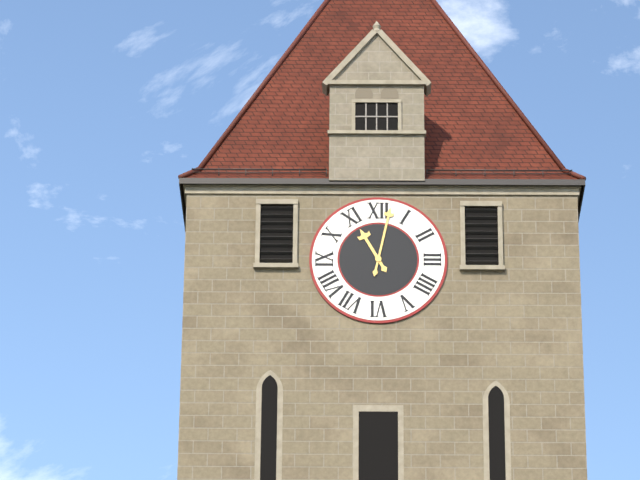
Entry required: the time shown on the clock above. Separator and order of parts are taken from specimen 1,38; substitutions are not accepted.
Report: 11,02
